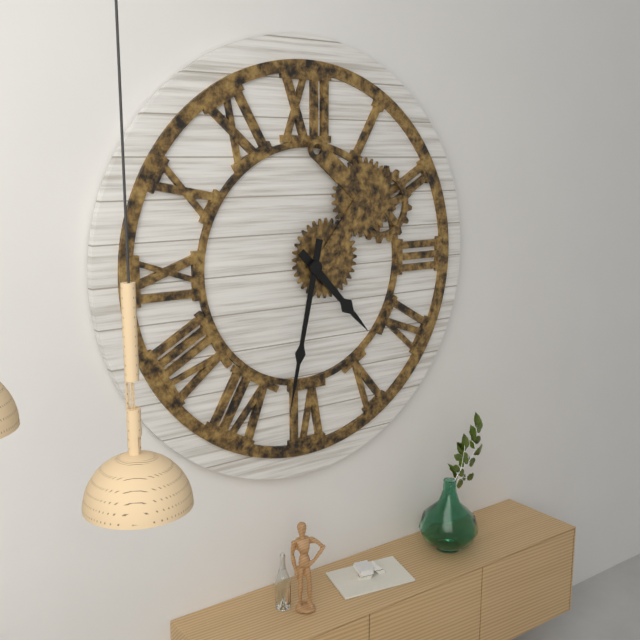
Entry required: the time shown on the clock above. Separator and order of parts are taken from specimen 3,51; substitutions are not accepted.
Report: 4,32
